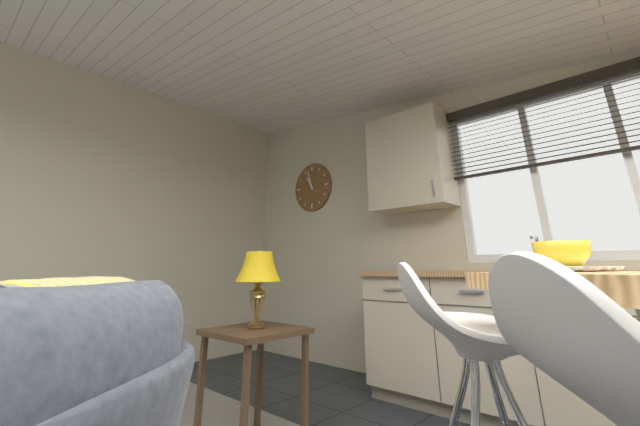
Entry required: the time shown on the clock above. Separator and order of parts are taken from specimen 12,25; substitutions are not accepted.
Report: 10,57
